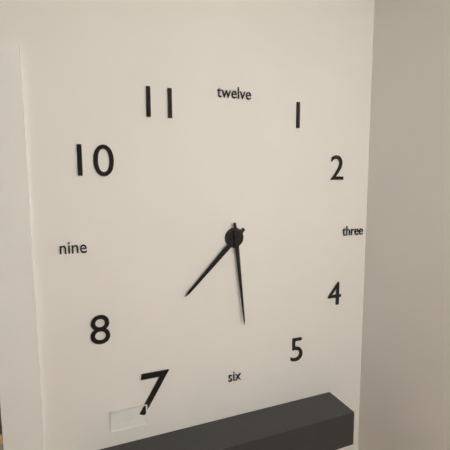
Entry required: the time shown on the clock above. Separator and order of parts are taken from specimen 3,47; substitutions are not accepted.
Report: 7,29
